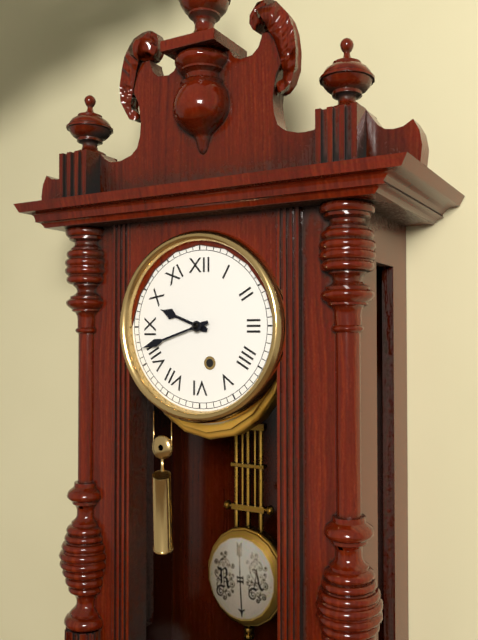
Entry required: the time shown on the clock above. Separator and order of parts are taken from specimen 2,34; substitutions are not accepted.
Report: 9,42
